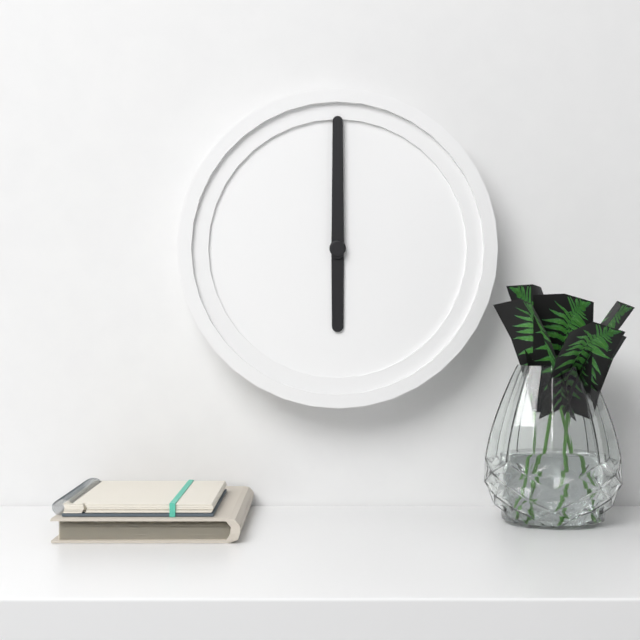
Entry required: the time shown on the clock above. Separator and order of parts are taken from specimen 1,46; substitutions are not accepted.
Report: 6,00
